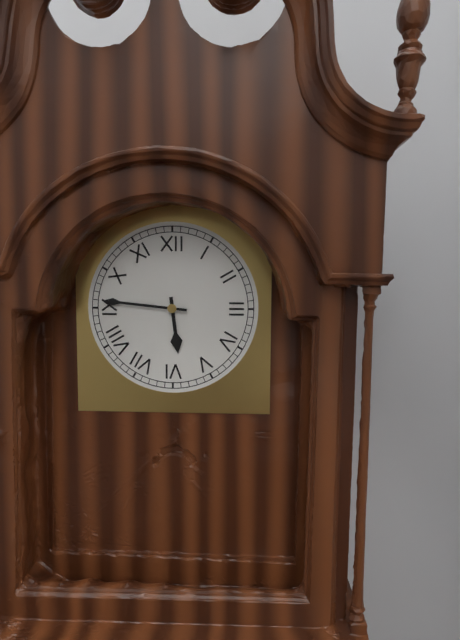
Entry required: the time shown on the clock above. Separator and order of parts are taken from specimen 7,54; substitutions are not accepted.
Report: 5,46
